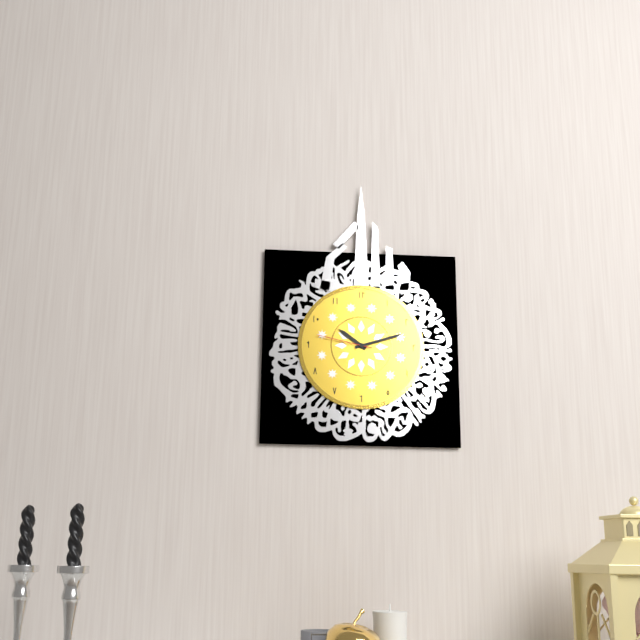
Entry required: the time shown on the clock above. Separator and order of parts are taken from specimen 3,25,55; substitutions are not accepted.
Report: 10,12,47
